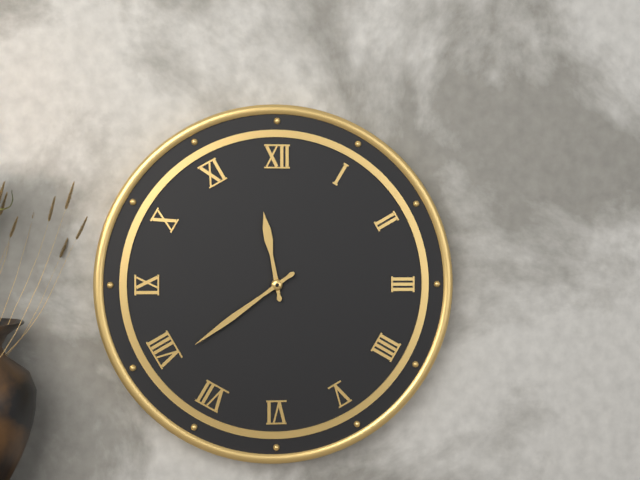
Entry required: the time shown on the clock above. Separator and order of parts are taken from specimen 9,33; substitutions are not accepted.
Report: 11,39
